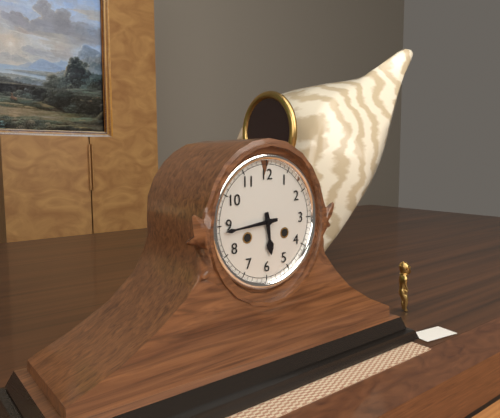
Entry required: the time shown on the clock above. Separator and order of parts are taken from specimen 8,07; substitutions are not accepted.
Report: 5,44
